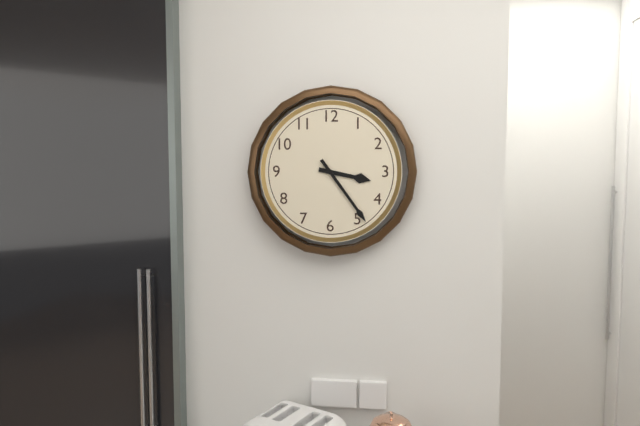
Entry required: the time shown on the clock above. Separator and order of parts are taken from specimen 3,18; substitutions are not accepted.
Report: 3,24
